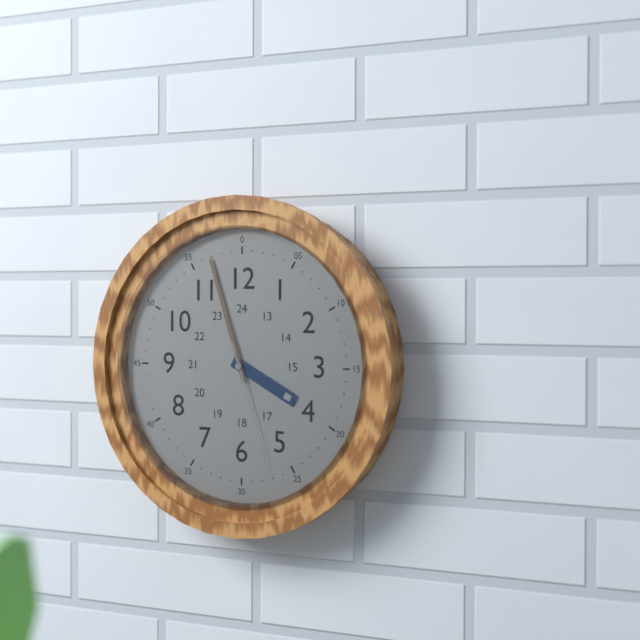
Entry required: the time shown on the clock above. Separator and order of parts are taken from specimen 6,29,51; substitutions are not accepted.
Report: 3,57,27
